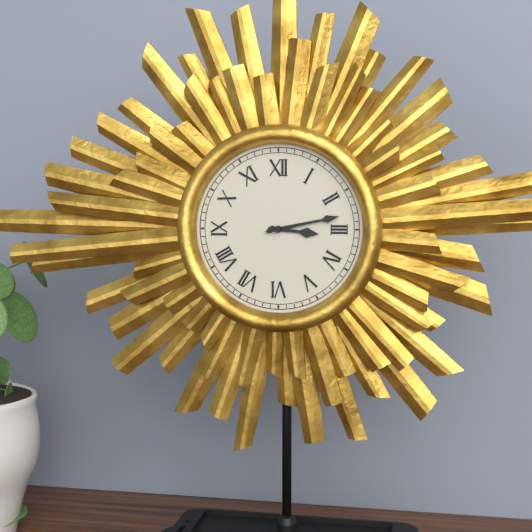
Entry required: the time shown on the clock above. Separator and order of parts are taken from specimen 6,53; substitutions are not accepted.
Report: 3,13
